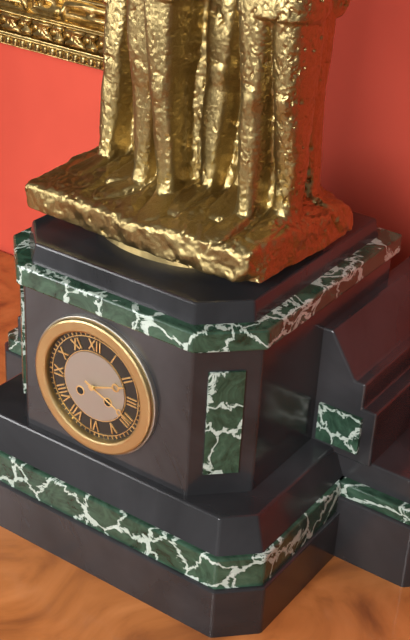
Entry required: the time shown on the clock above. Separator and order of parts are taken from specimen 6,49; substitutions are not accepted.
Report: 2,19
